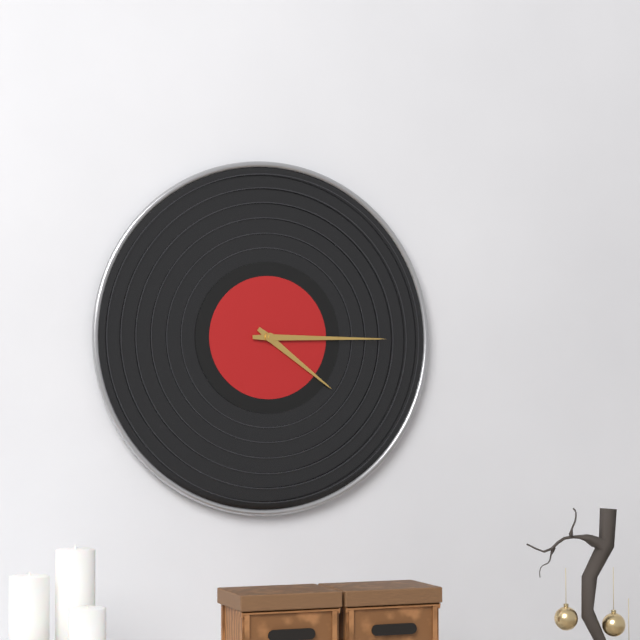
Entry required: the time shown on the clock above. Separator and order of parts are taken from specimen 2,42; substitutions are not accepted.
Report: 4,15
